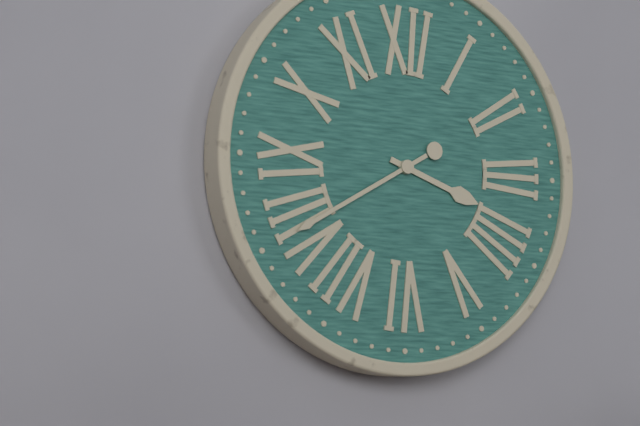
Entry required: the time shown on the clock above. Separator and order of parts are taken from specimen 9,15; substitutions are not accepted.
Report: 3,40
